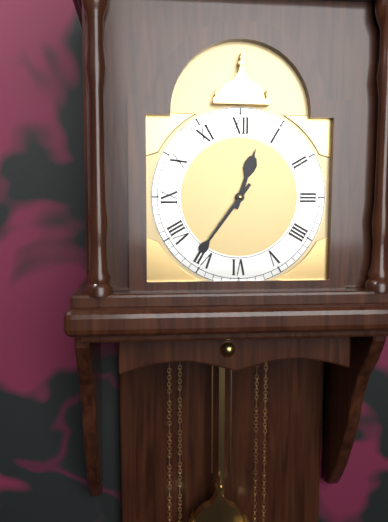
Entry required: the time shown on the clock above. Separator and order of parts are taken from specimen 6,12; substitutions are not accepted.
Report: 12,36
